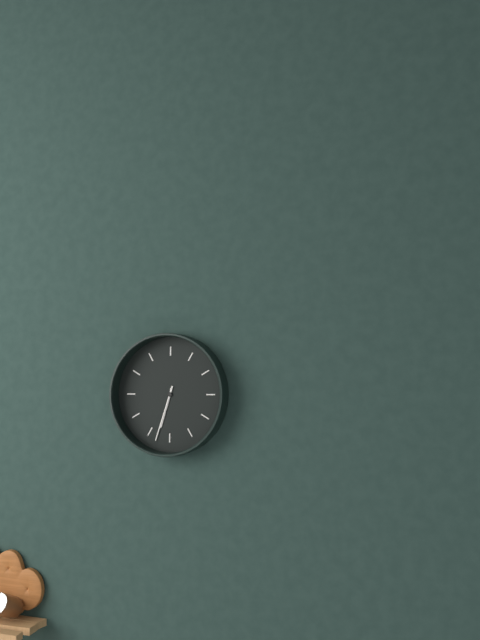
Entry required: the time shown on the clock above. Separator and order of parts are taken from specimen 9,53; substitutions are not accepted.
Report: 6,33
